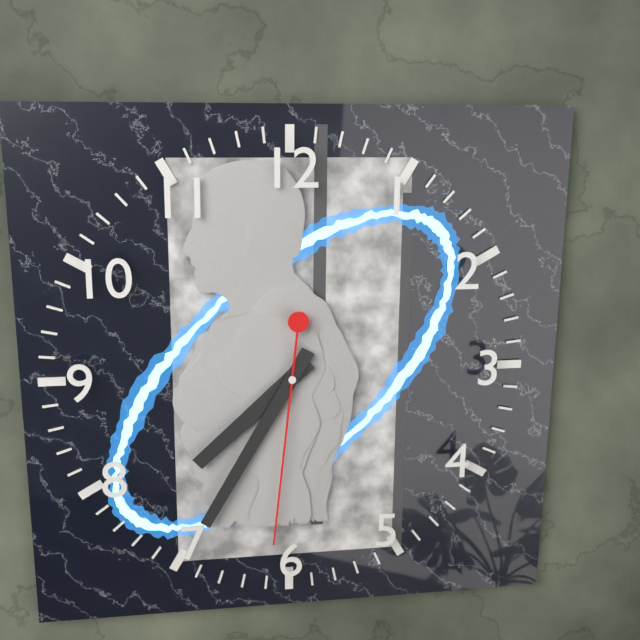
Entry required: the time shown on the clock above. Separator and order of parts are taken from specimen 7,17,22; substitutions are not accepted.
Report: 7,35,31
